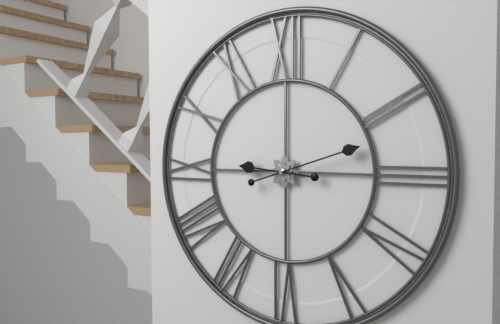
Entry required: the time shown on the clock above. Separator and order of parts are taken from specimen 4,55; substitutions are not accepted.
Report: 9,12
